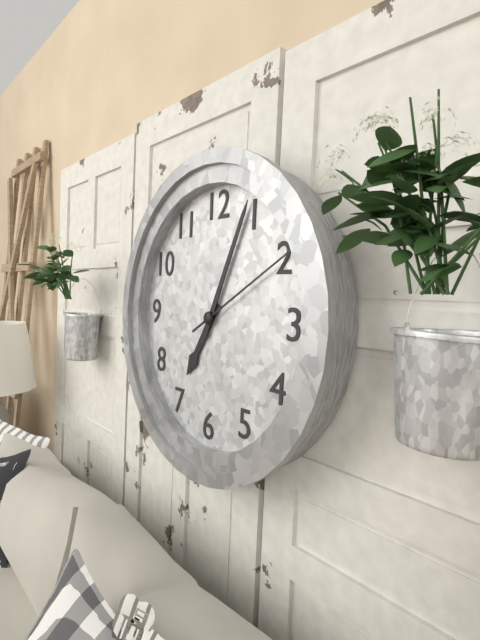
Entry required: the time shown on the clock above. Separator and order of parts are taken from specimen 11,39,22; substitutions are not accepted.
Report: 7,04,10
